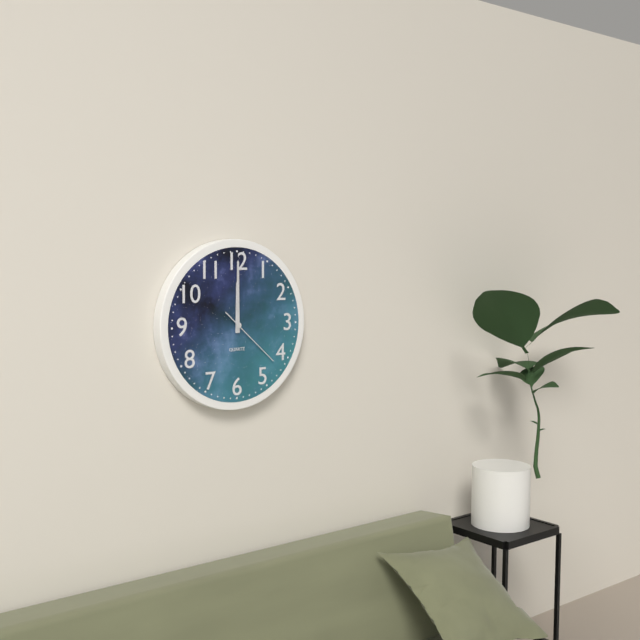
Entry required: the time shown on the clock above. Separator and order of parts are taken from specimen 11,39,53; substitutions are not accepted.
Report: 12,00,22
